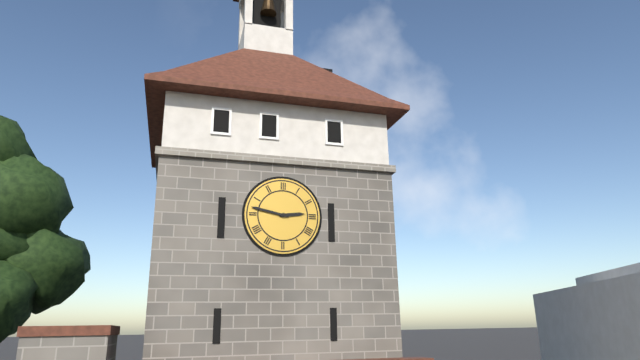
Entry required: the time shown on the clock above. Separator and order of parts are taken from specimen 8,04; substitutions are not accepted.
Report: 2,47
